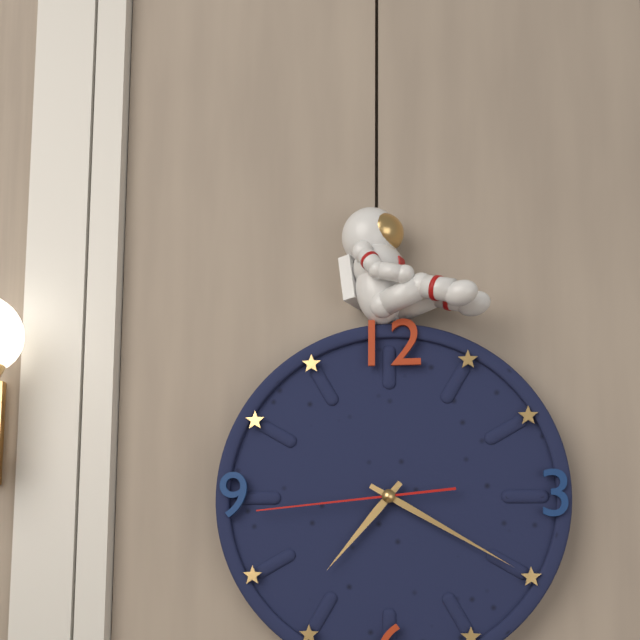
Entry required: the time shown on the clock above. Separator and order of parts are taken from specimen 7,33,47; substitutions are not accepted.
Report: 7,20,44
